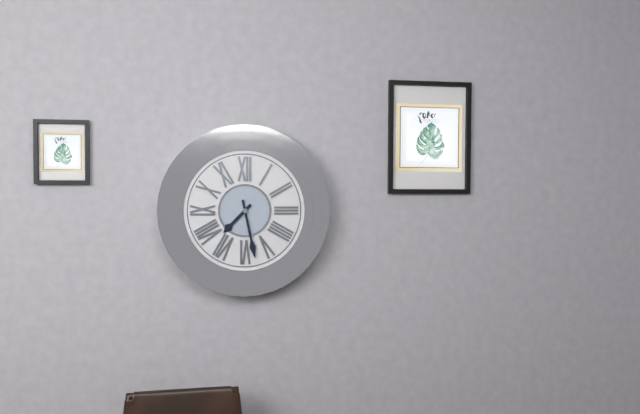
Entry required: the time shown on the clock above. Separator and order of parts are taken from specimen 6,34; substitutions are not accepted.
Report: 7,28
